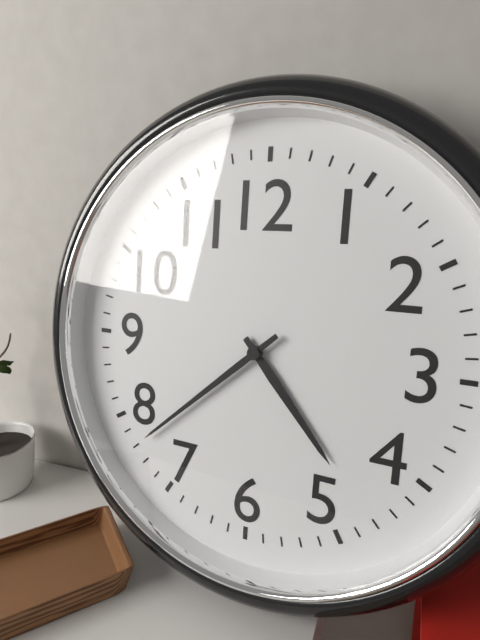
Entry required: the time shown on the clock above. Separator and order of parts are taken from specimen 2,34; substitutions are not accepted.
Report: 4,38
